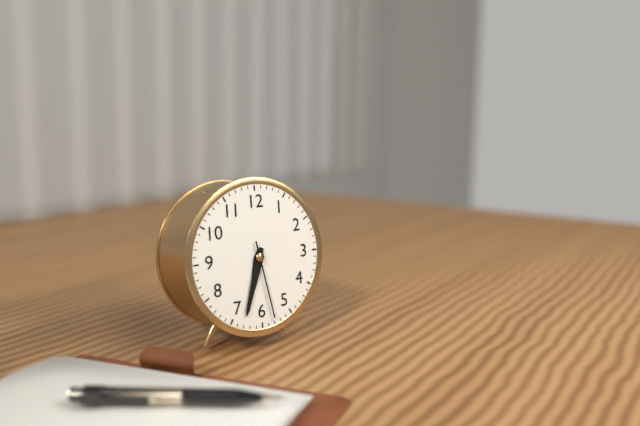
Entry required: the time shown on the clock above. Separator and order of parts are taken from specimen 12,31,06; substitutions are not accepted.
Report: 6,33,28
